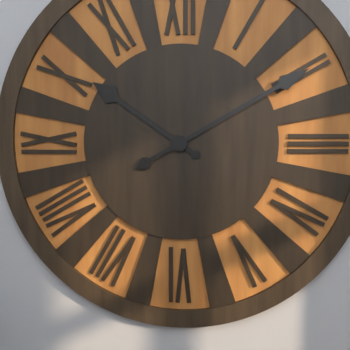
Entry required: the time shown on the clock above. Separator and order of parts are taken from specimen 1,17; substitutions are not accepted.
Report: 10,10
